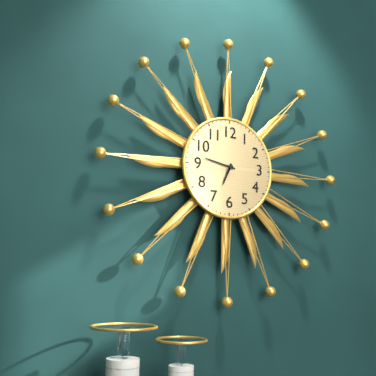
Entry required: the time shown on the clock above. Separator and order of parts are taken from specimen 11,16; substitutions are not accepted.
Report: 6,47
